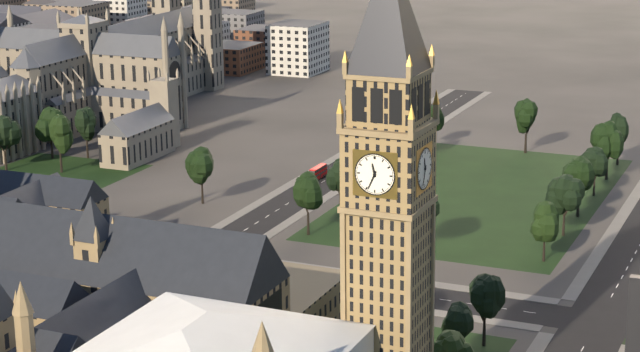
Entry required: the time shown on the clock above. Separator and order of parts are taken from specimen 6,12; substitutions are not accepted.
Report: 11,34
